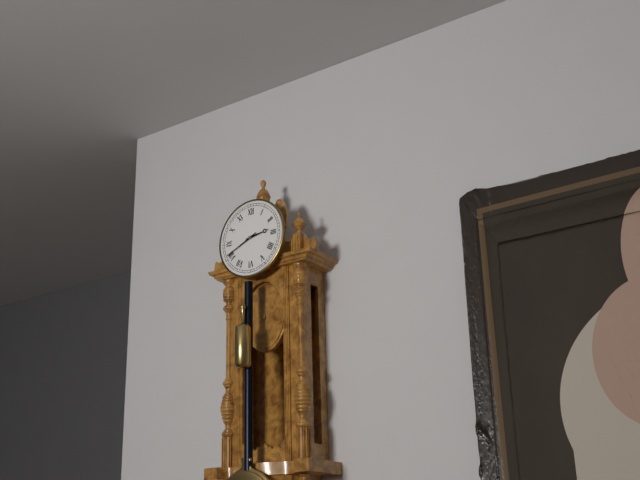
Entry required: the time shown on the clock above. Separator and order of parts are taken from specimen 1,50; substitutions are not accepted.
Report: 2,41
